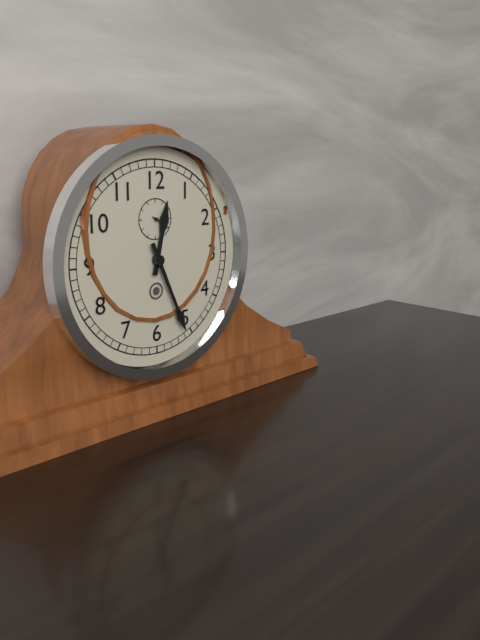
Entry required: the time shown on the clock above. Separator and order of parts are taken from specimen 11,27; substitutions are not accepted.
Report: 12,26
